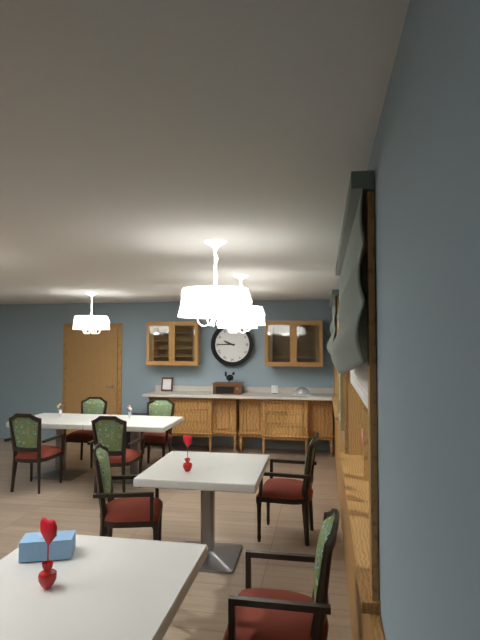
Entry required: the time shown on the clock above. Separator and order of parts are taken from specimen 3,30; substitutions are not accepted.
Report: 9,45
